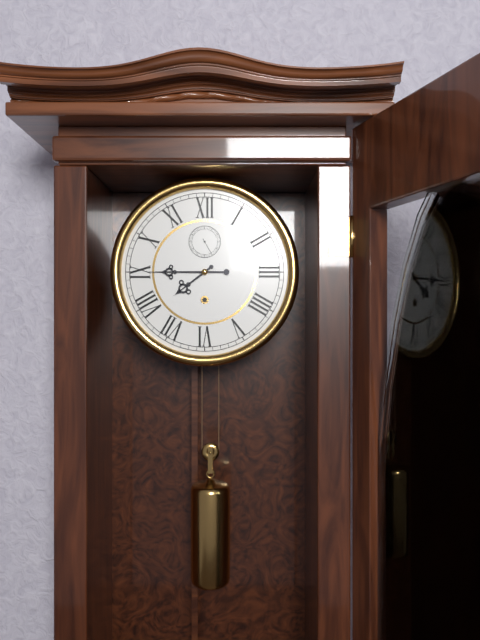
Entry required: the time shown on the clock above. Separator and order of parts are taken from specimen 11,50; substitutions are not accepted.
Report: 7,45
